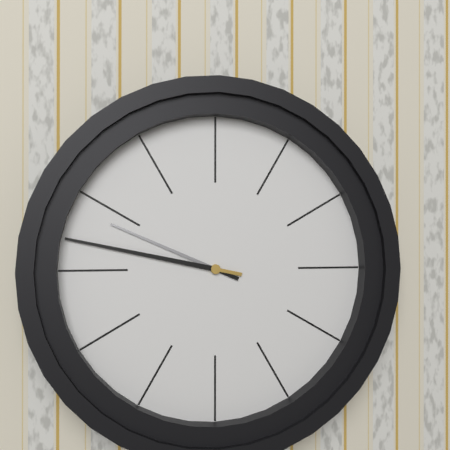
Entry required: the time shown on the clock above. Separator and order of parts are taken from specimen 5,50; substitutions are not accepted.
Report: 9,47
